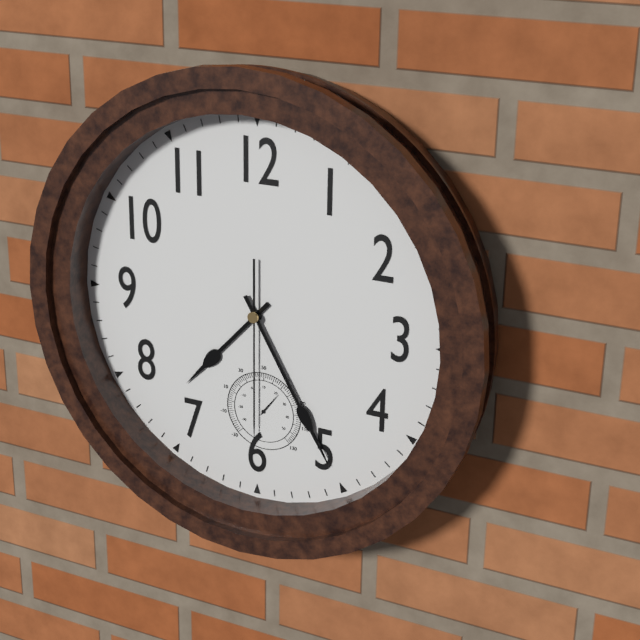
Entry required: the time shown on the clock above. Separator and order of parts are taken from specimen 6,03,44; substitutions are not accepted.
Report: 7,25,30
